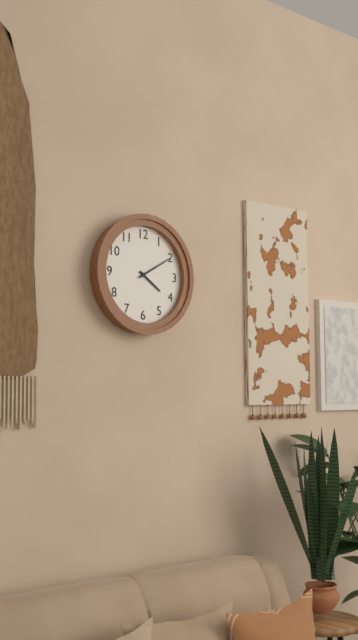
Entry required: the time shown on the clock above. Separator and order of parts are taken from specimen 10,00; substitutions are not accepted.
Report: 4,10
